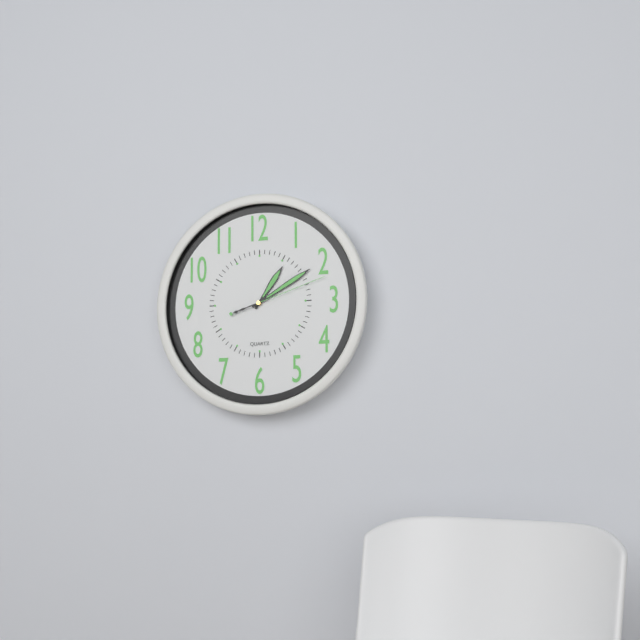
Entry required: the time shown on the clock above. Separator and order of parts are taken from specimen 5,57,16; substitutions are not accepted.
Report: 1,10,12
